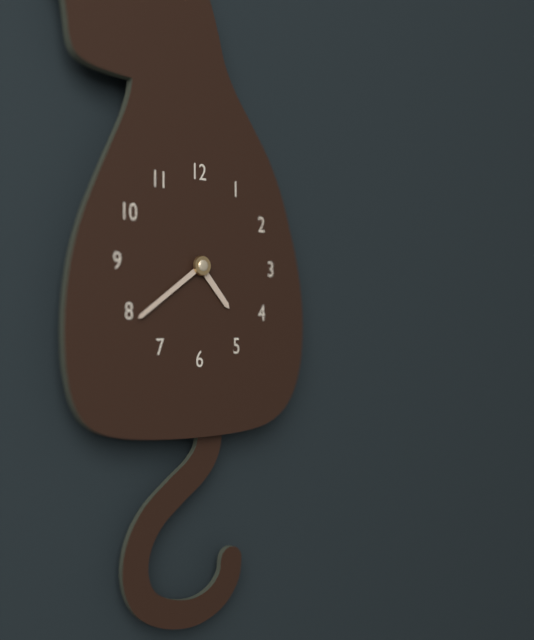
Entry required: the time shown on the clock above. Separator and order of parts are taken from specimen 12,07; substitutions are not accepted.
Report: 4,39
